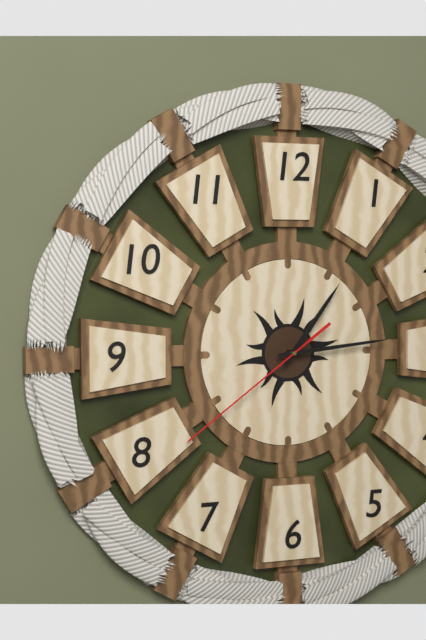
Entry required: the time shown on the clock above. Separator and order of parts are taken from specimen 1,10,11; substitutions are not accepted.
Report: 1,14,39
